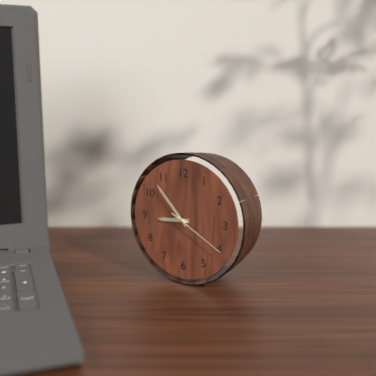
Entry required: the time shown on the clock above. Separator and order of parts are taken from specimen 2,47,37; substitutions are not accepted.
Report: 8,53,20
